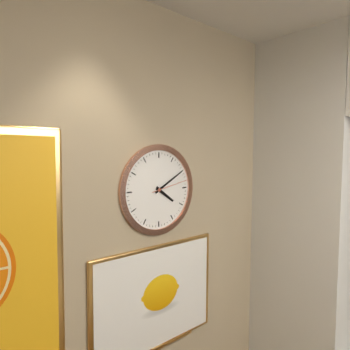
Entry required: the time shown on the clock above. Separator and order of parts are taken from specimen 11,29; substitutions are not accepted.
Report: 4,10
